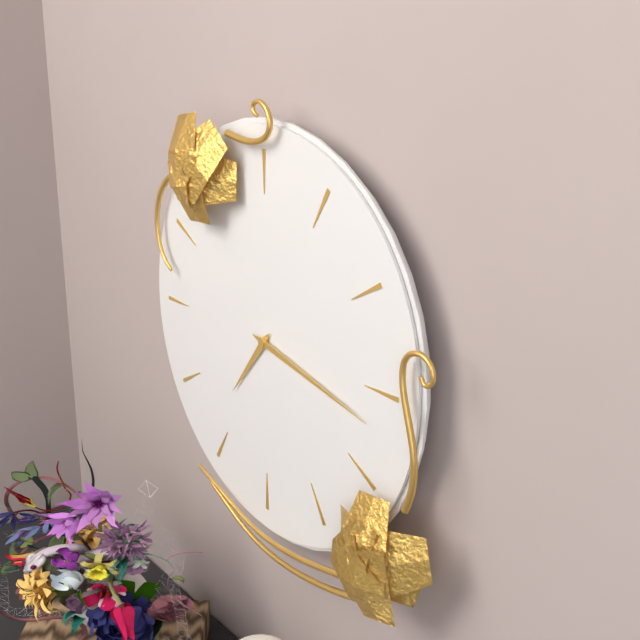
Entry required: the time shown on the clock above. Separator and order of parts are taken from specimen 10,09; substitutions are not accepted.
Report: 7,17
